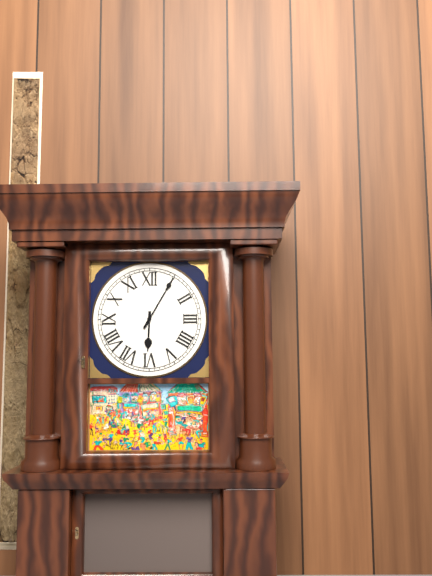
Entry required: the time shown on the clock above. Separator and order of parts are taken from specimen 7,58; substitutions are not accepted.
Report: 6,05
